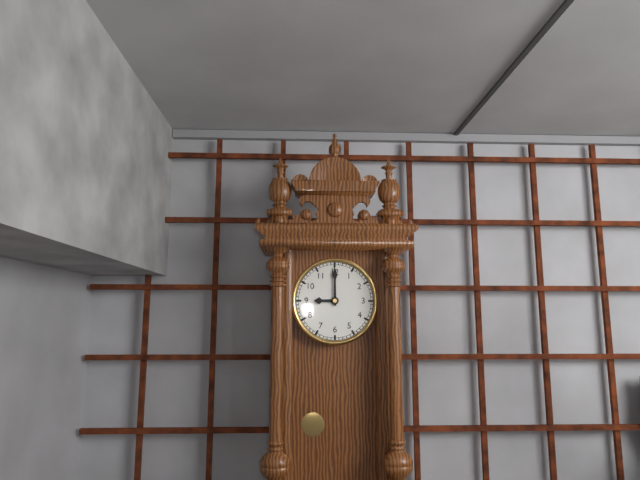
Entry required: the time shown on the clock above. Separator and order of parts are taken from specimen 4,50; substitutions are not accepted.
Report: 9,00
